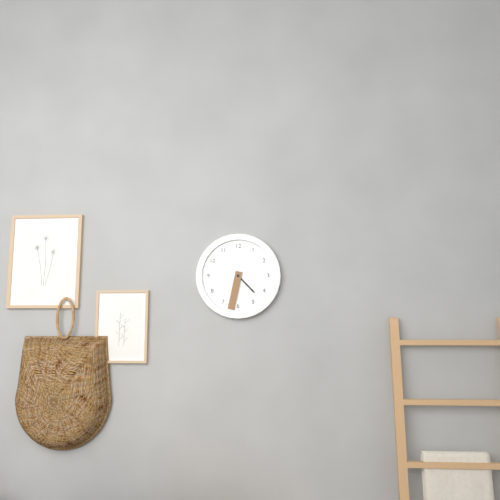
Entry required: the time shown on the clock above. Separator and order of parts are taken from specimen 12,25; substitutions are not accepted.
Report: 4,32
